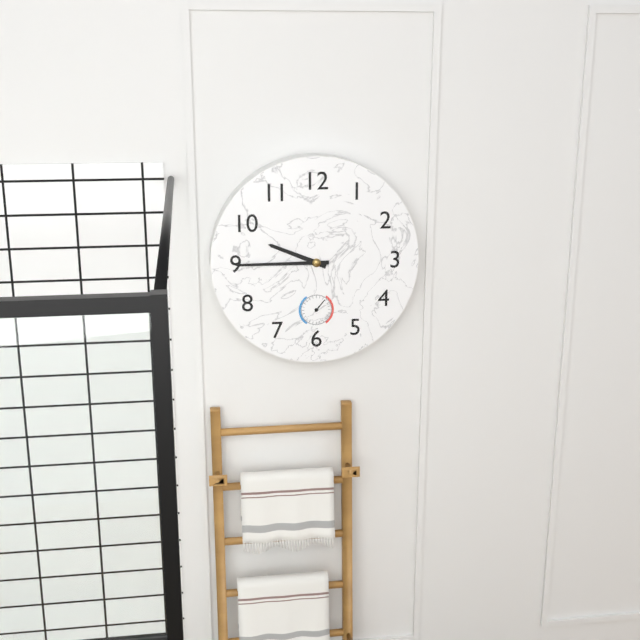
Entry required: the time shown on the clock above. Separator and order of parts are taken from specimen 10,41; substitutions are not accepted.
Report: 9,45
